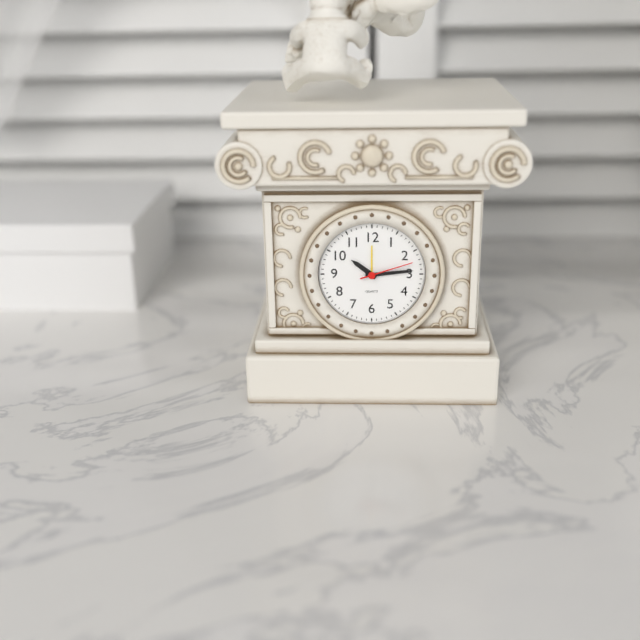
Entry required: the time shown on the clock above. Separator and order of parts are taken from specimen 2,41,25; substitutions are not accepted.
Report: 10,14,12
